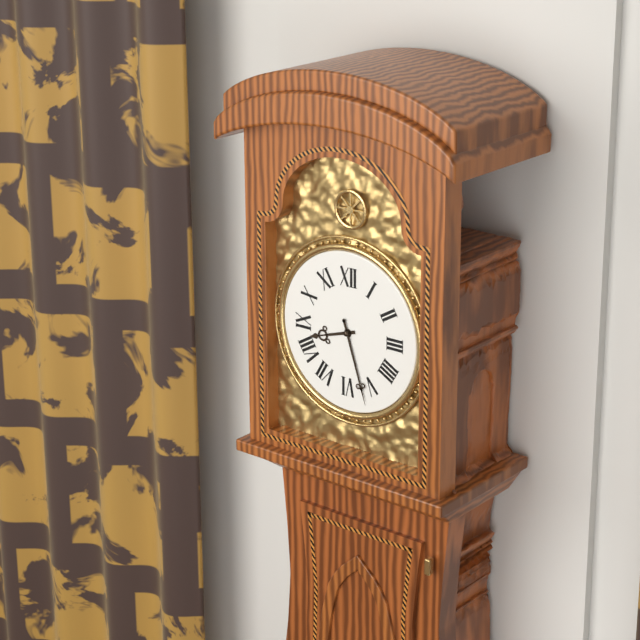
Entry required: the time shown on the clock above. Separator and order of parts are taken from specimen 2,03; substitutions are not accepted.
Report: 8,27
